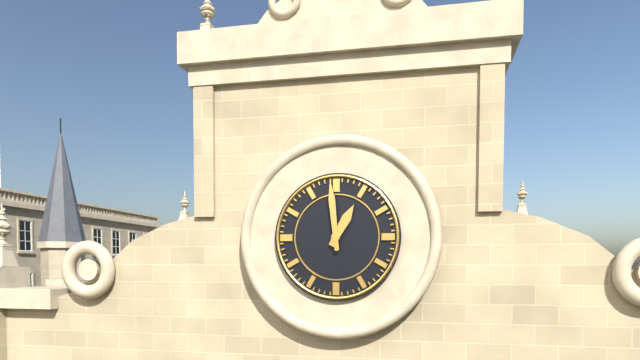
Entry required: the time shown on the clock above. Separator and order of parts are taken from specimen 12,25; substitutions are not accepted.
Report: 12,59
